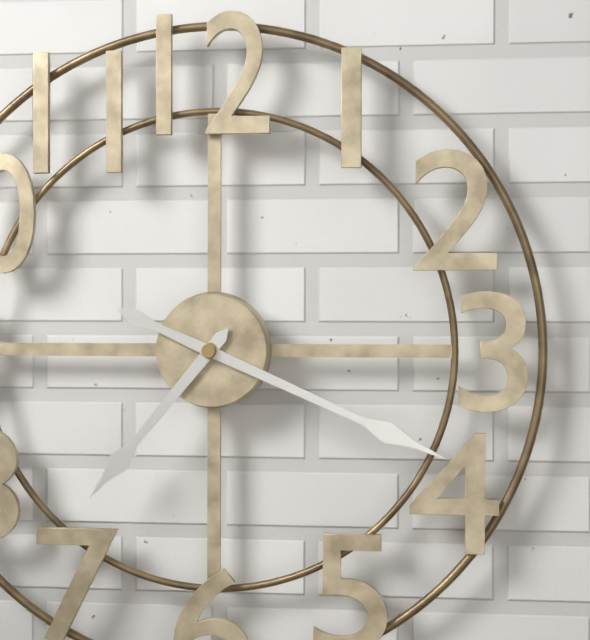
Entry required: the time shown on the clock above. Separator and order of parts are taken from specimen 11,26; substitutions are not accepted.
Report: 7,19
